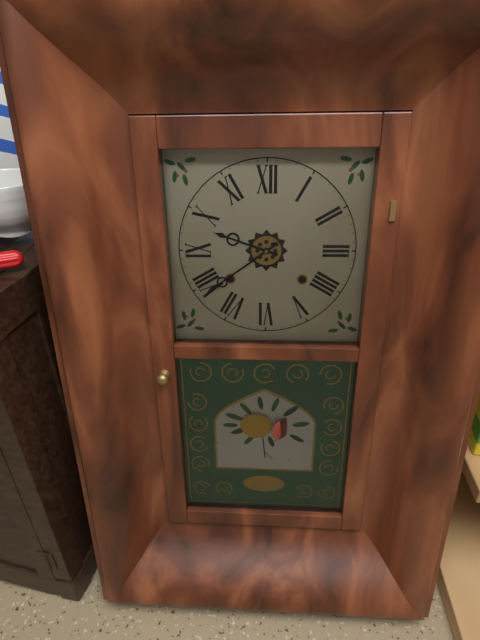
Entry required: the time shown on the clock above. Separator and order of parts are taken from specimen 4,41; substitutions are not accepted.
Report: 9,39
